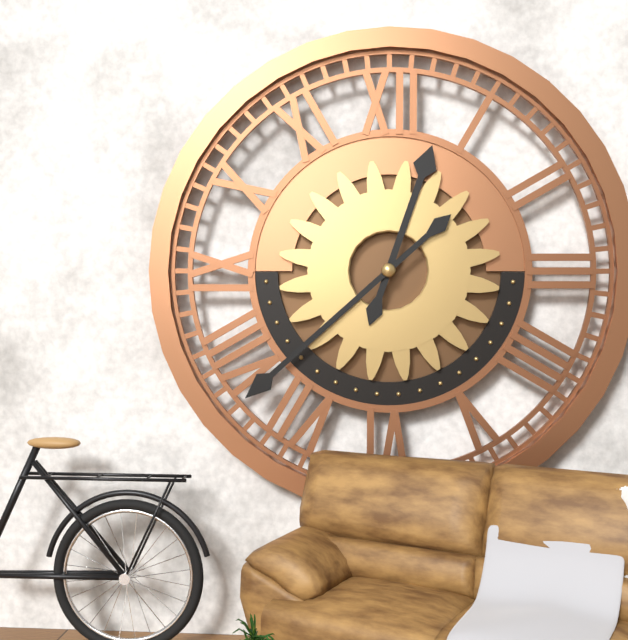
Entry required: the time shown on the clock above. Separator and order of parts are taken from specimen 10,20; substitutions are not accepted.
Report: 12,38
